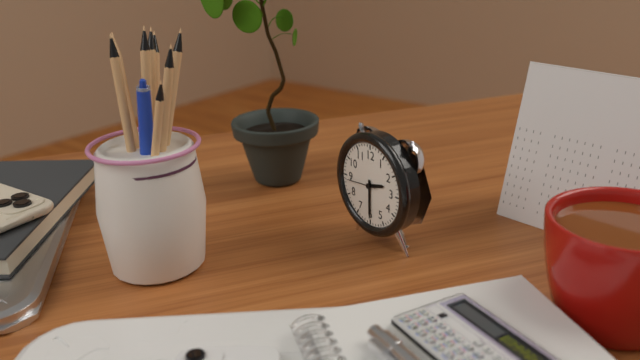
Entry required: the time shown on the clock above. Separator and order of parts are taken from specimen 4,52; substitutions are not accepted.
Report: 2,30
